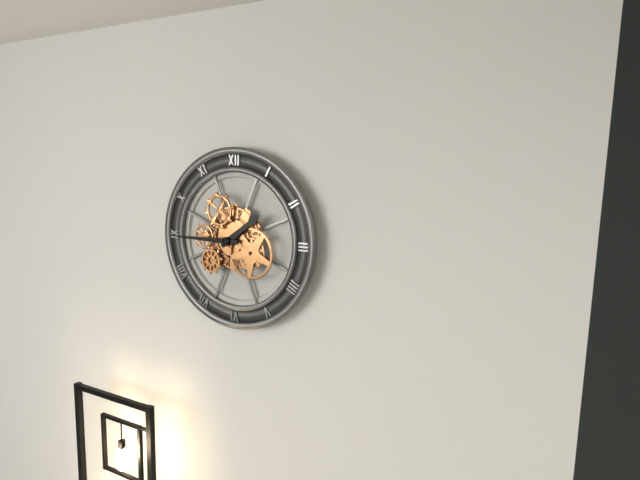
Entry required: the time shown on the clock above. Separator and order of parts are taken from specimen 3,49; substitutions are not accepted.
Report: 1,45
